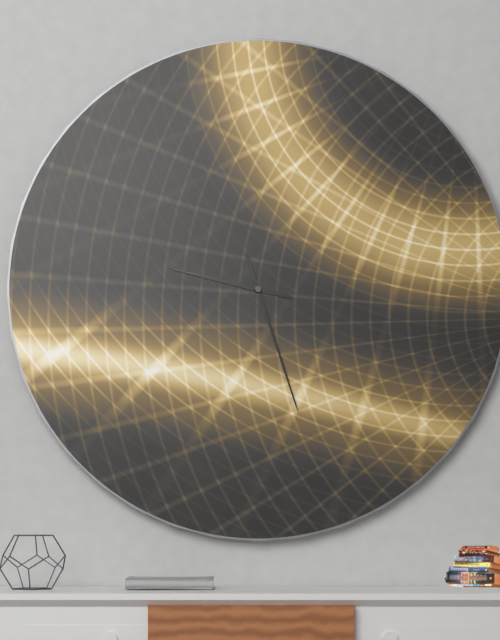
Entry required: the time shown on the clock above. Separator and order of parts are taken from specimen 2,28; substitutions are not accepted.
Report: 9,27
